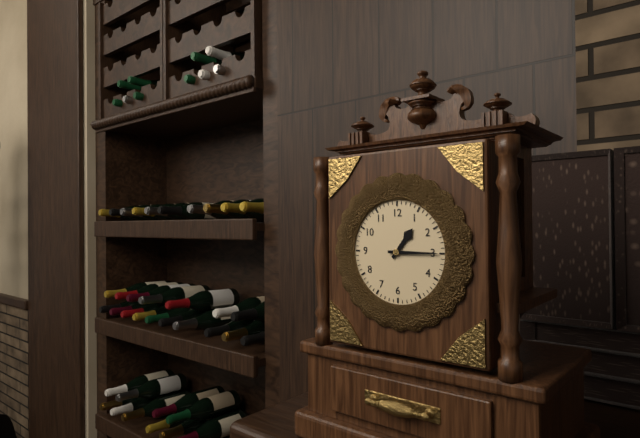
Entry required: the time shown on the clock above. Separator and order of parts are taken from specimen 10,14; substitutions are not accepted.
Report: 1,15
